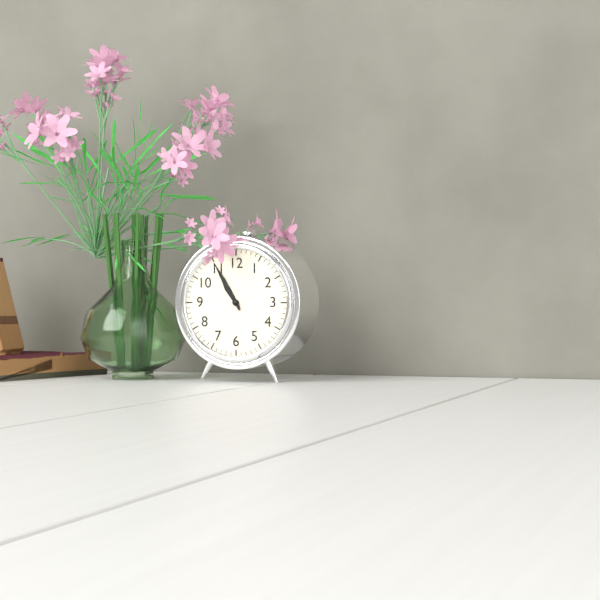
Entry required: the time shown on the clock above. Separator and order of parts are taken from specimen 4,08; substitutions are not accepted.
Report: 10,55
